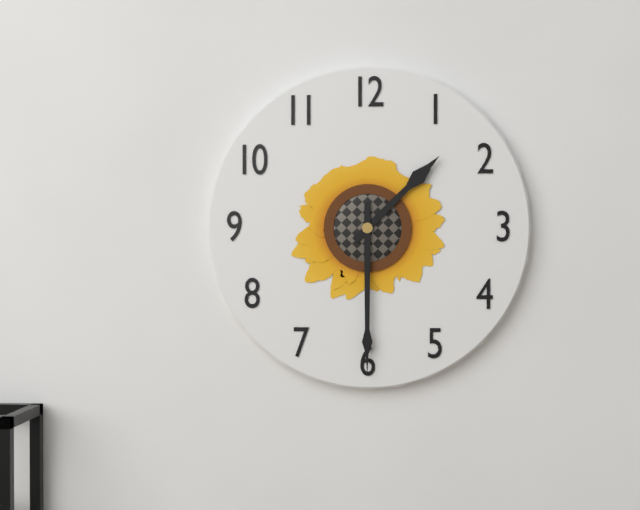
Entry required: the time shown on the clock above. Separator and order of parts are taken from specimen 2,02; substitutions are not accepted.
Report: 1,30
